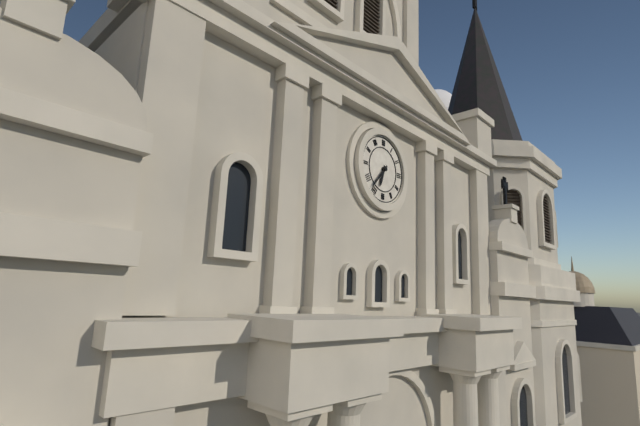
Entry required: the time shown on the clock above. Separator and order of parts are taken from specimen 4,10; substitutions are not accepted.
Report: 6,37
